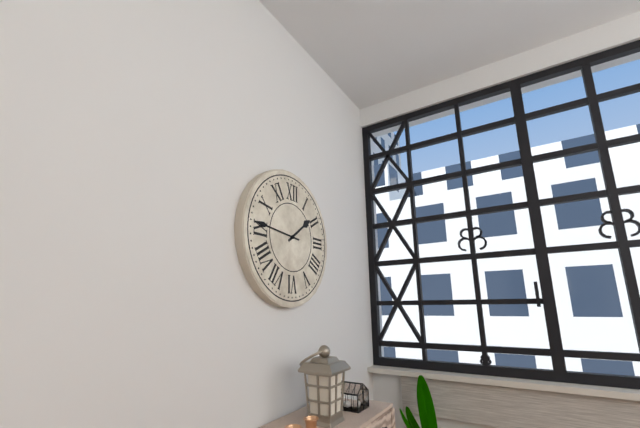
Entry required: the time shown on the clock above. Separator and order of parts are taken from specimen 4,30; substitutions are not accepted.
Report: 1,46
